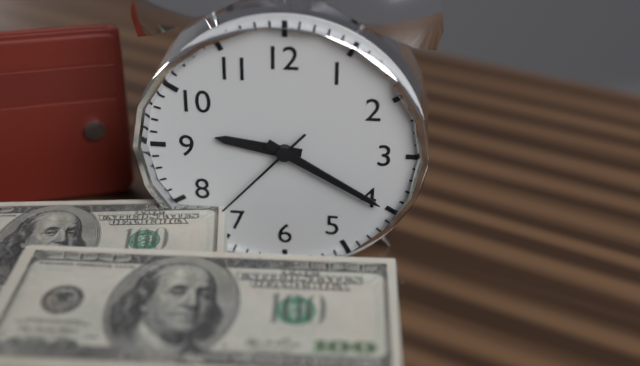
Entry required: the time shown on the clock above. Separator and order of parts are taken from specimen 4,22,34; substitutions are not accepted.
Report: 9,20,37
